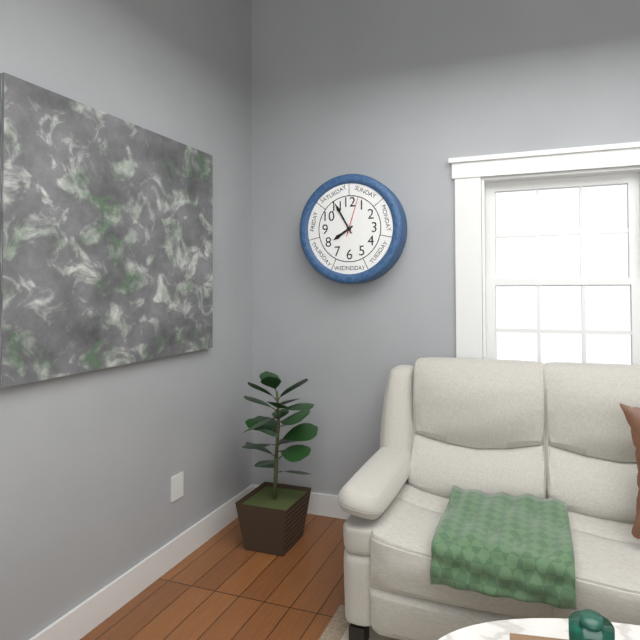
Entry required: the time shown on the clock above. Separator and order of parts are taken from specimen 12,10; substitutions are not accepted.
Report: 7,55
